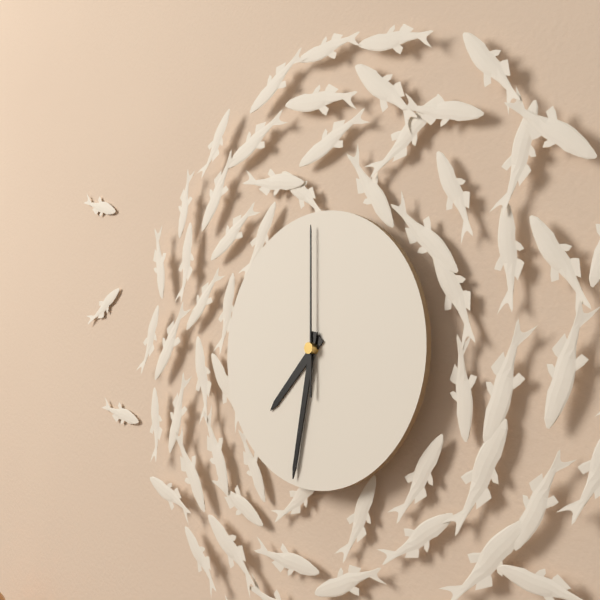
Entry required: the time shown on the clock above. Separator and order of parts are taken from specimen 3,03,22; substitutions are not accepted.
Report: 7,32,00
